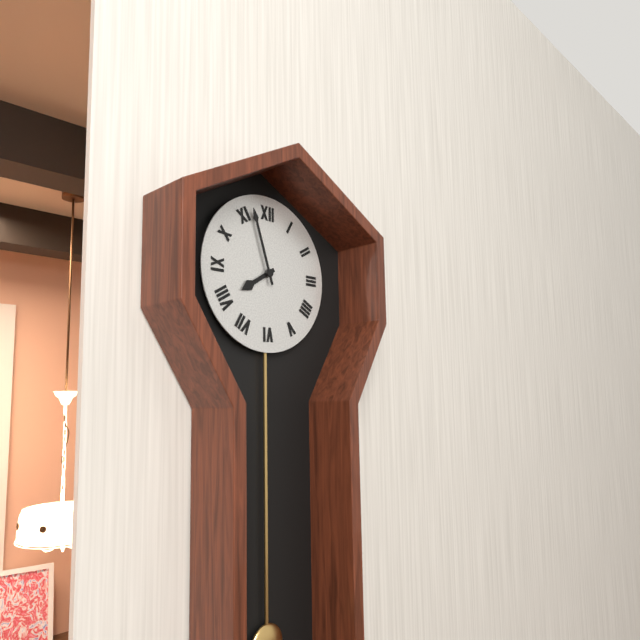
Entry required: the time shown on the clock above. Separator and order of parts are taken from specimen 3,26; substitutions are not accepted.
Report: 7,57
